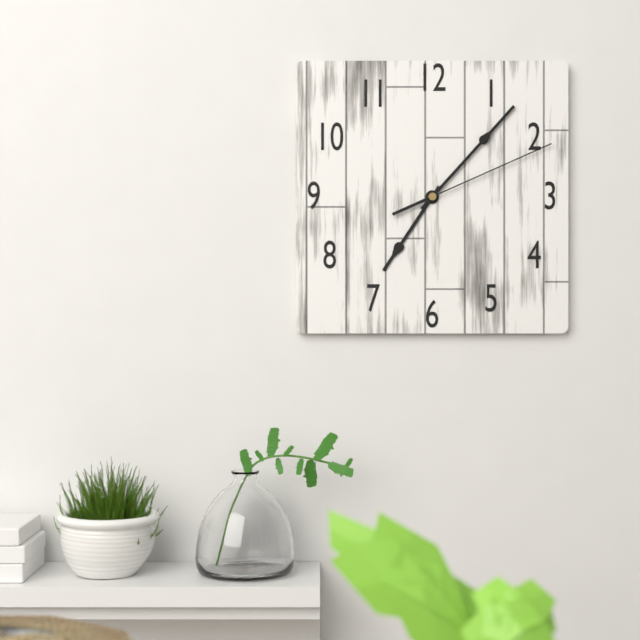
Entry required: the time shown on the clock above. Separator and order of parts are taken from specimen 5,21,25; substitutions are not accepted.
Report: 7,07,11
